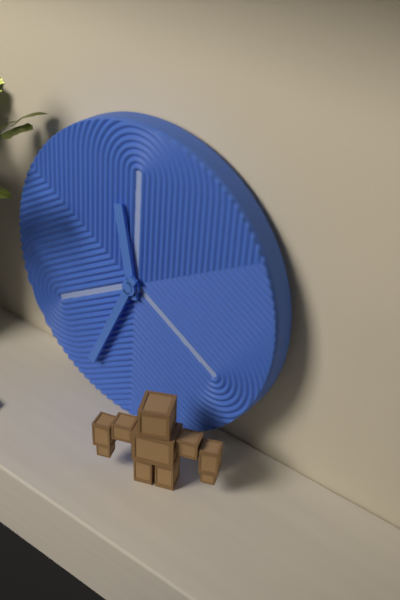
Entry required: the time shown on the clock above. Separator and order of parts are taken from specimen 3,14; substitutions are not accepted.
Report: 11,34
